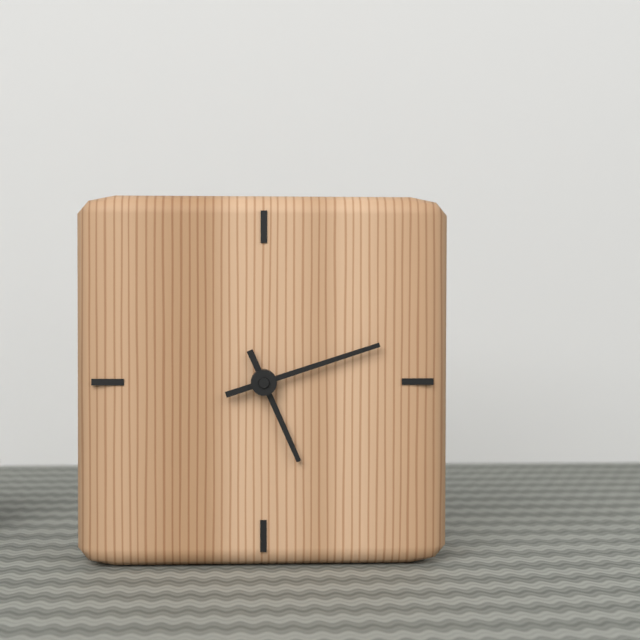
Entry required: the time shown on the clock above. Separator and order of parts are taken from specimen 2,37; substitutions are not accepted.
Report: 5,12
